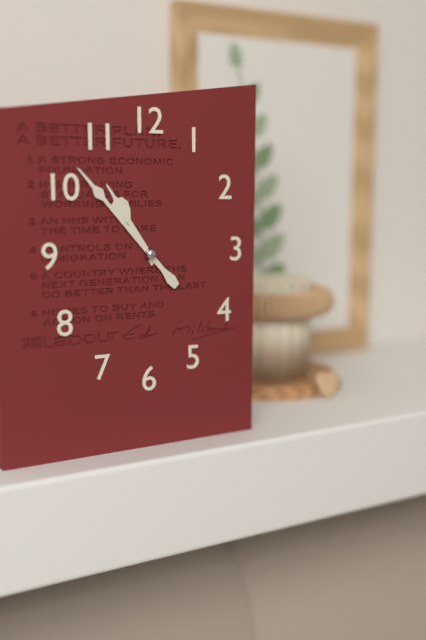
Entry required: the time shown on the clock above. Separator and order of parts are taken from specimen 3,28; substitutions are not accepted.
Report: 10,53
